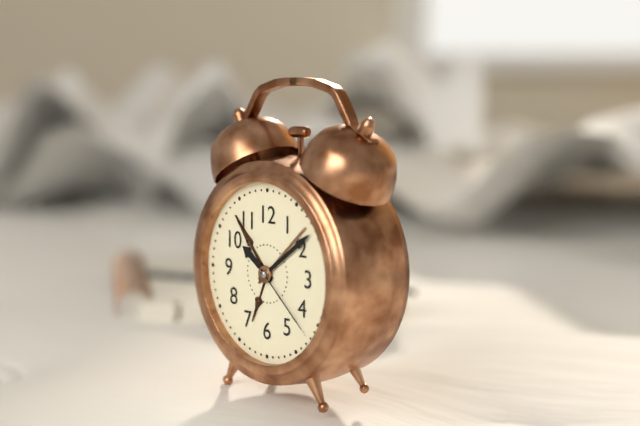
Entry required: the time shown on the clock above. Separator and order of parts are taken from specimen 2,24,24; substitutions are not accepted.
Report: 10,09,22
